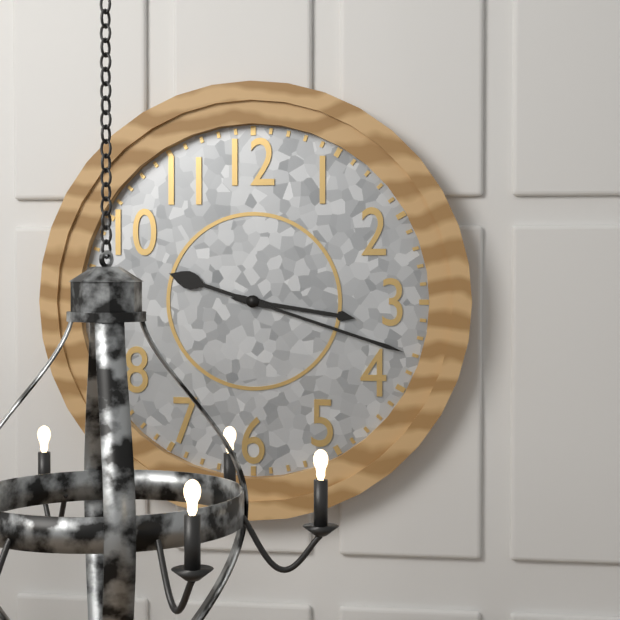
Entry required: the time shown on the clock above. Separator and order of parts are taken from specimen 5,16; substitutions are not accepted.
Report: 3,18
